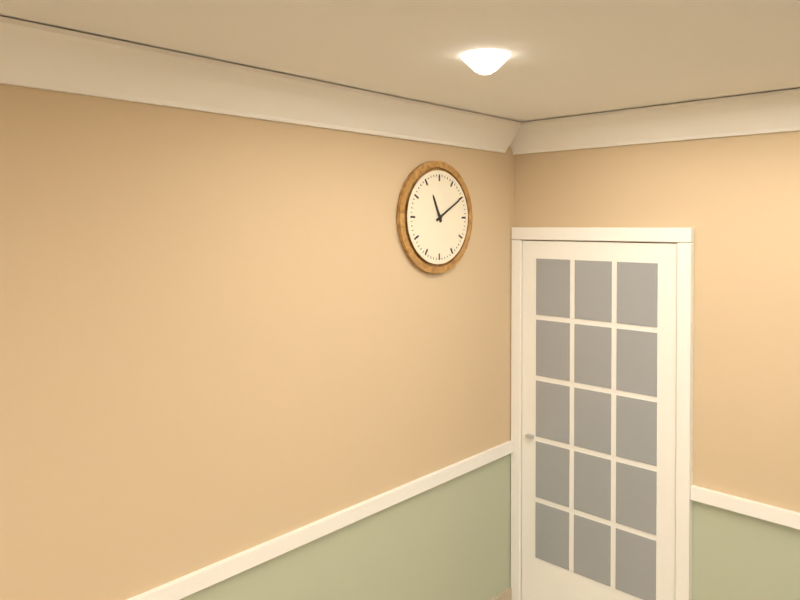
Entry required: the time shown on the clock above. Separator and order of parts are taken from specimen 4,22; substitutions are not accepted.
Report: 11,10
